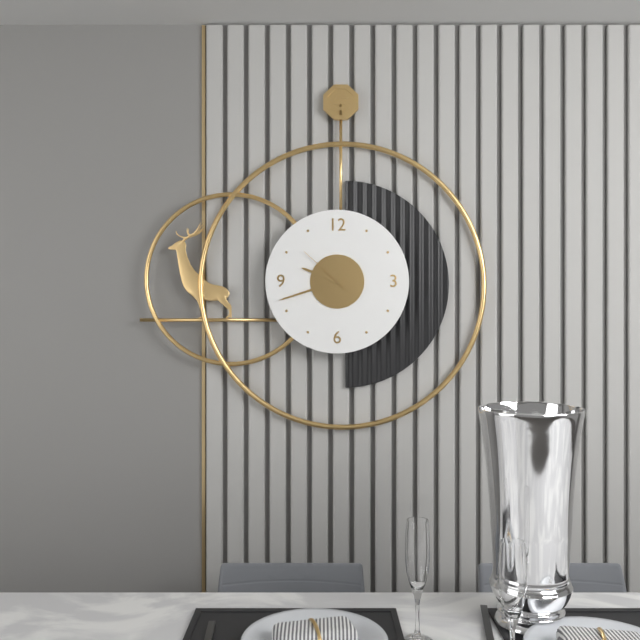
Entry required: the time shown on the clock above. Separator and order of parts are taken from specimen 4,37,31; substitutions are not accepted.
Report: 9,42,52
